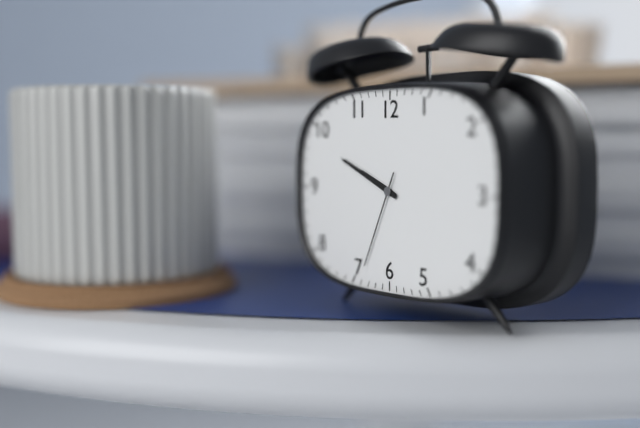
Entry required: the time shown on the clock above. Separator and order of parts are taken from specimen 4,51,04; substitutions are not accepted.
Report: 9,49,34
